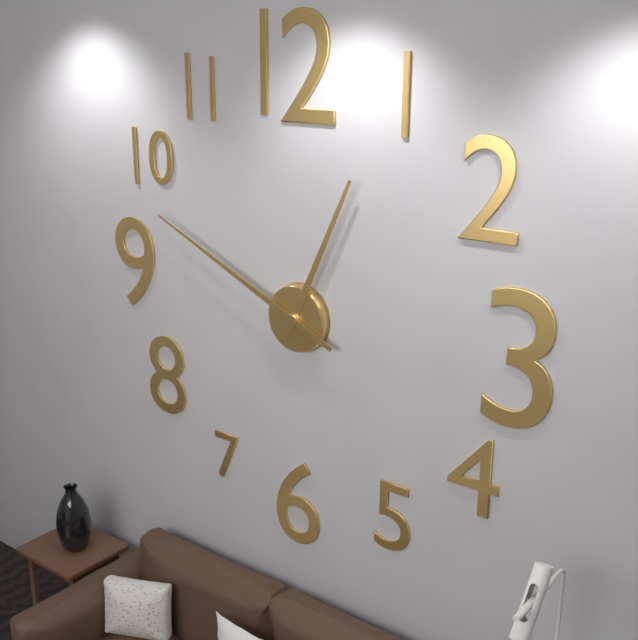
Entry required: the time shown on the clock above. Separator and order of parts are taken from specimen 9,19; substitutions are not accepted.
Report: 12,49
